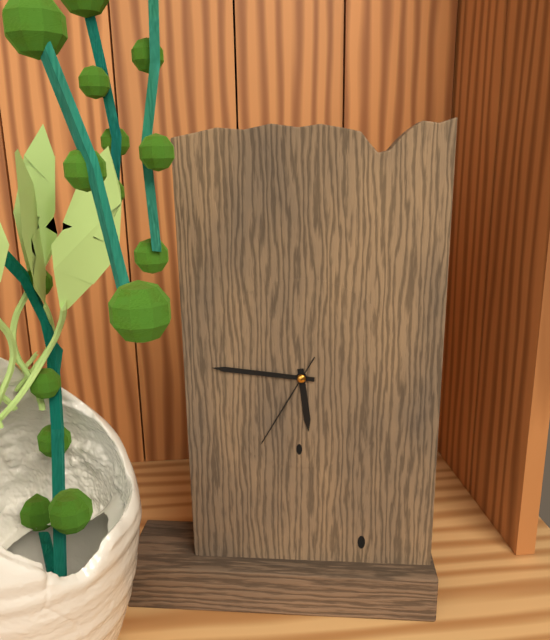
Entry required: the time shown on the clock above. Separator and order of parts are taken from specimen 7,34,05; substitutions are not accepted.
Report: 5,46,35
